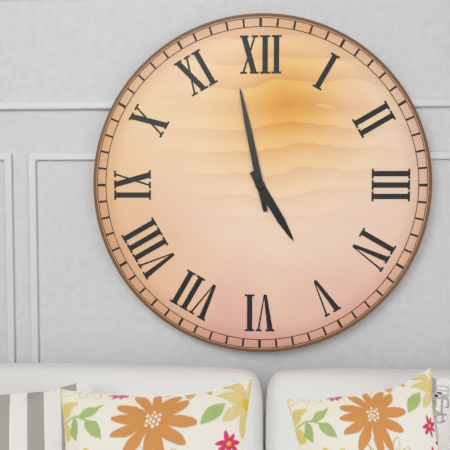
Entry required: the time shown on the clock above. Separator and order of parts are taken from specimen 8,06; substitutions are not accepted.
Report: 4,58
